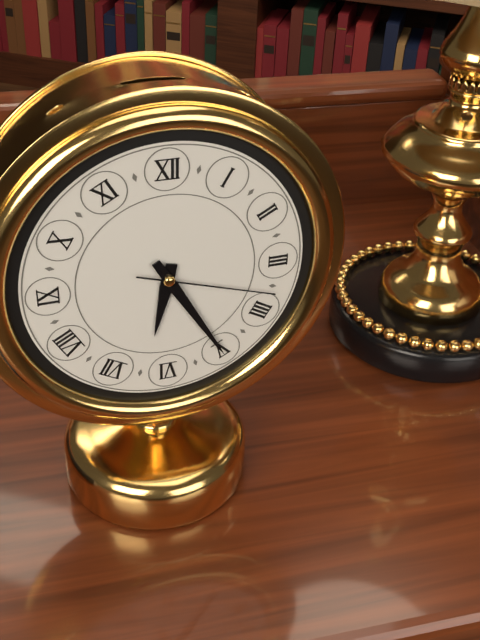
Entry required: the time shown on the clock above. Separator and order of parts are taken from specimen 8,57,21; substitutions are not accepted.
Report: 6,25,18
